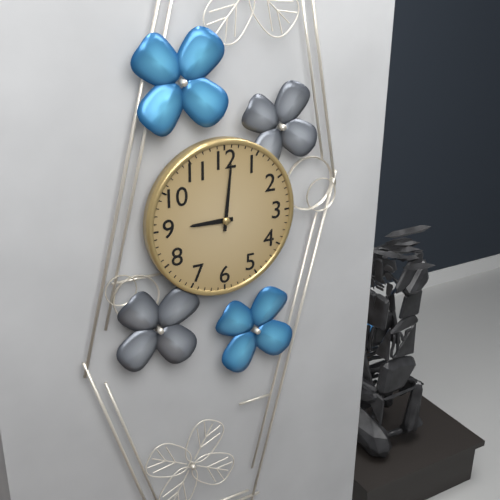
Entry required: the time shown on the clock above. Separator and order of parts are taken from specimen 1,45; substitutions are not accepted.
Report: 9,01
